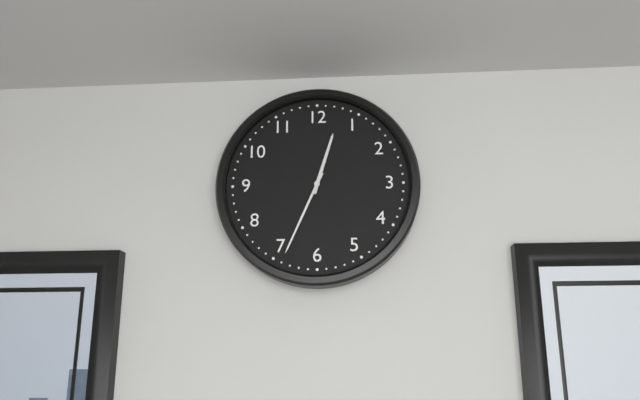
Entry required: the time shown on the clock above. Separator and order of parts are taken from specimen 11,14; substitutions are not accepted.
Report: 12,34
